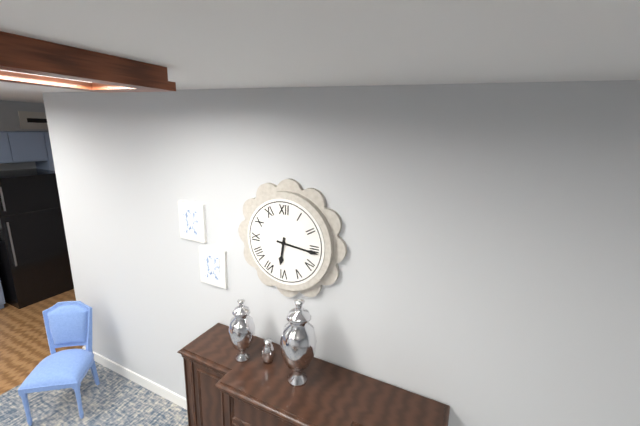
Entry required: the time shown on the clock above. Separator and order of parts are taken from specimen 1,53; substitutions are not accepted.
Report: 6,16
